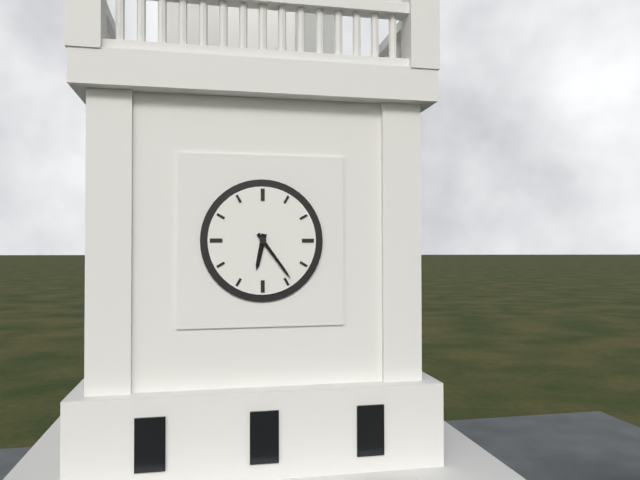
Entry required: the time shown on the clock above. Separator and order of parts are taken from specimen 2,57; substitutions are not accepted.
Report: 6,24
